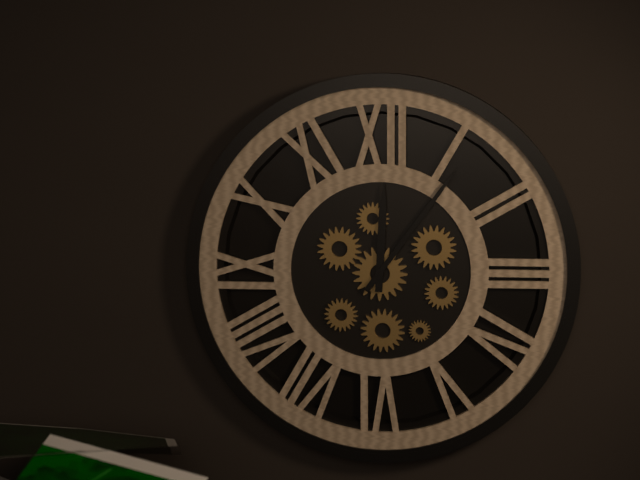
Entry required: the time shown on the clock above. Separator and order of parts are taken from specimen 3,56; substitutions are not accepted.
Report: 12,06
